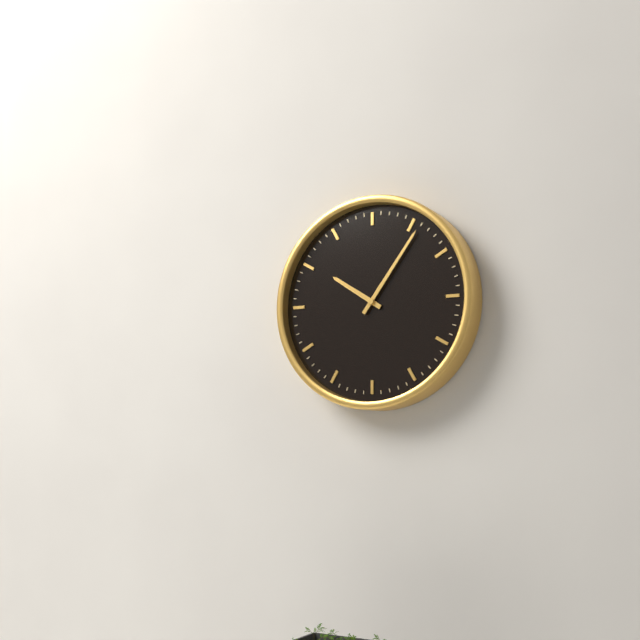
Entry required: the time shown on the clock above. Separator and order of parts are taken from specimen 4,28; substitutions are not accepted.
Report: 10,06
